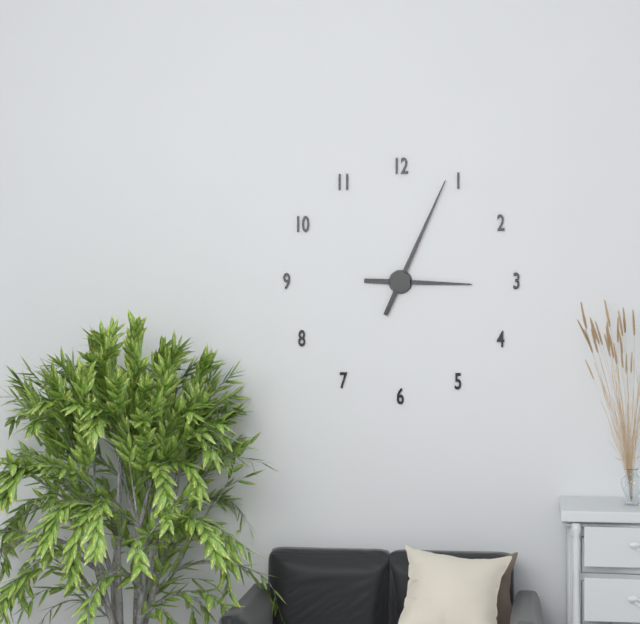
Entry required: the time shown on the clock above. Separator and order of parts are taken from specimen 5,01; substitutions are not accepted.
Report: 3,04
